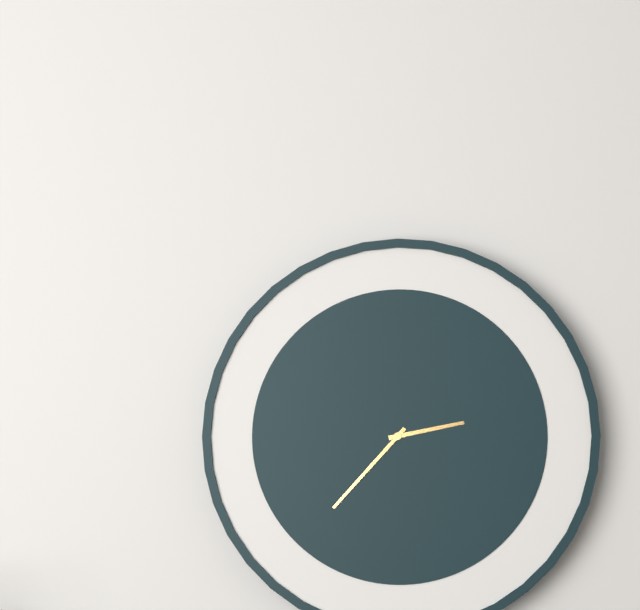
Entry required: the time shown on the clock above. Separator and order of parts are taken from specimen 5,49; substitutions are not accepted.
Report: 2,37
